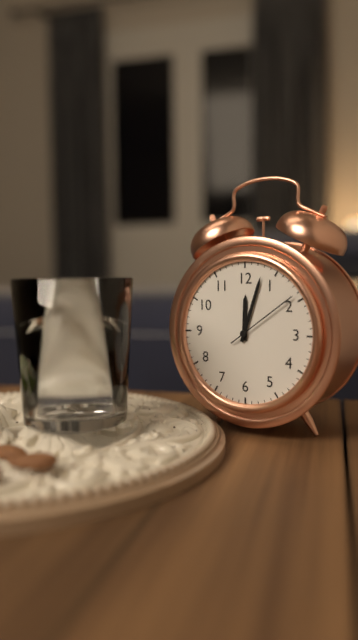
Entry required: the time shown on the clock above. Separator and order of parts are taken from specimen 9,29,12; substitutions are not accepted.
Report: 12,03,09
